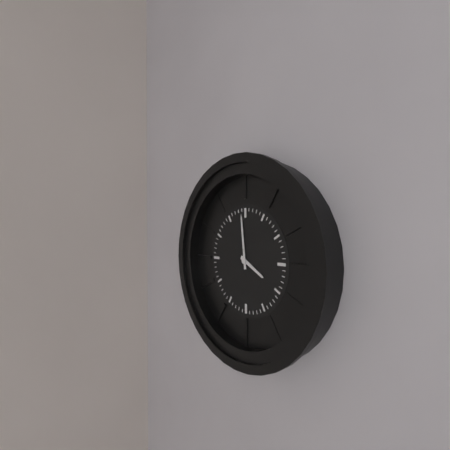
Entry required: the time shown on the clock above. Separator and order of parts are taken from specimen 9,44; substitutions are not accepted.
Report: 3,59
